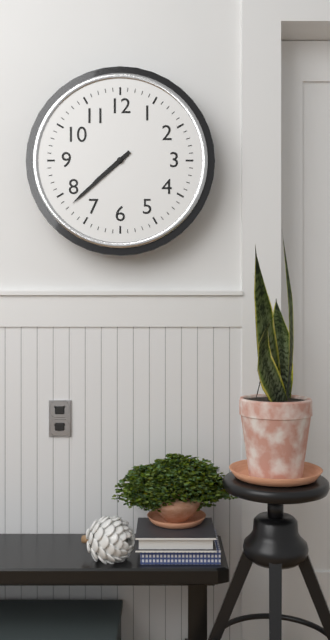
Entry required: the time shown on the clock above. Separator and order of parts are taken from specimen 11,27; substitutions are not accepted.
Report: 7,38
